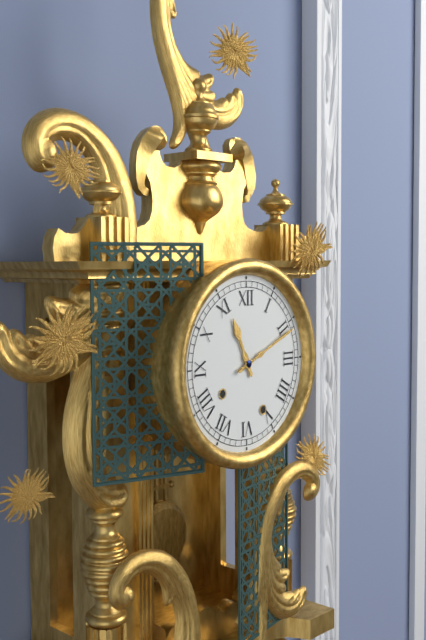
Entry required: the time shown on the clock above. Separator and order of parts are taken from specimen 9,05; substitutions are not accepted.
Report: 11,11
